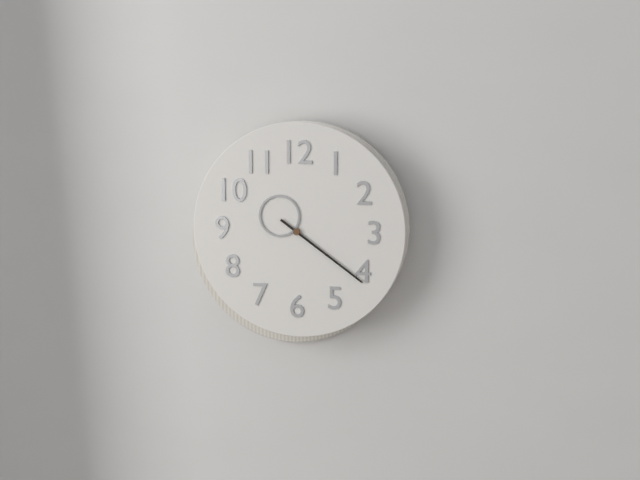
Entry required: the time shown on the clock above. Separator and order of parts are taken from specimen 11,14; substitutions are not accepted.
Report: 10,21
